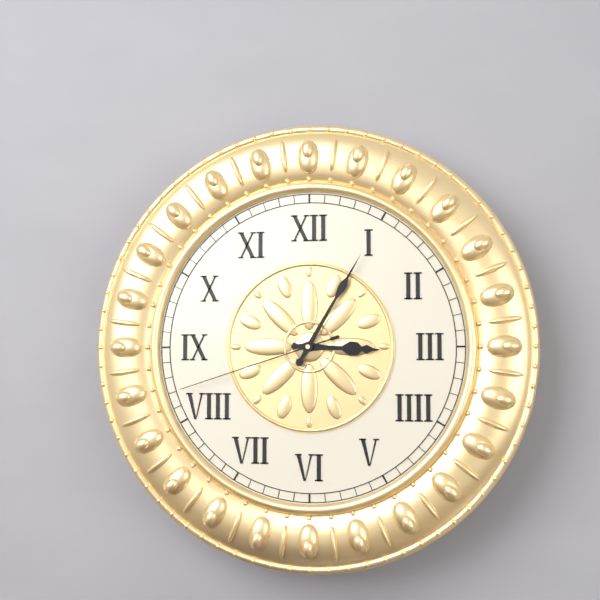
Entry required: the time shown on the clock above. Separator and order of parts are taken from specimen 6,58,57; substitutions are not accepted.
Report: 3,05,42
